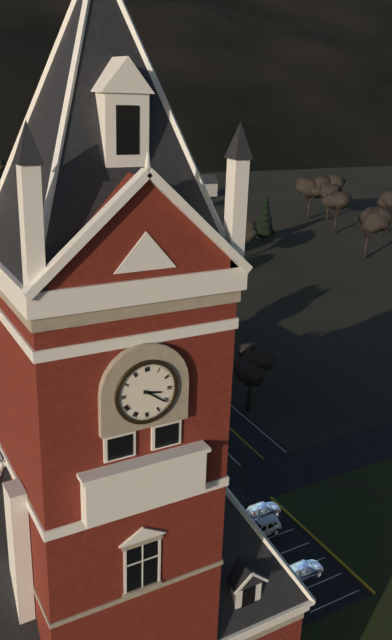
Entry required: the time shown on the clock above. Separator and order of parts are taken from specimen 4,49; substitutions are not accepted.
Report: 3,21
